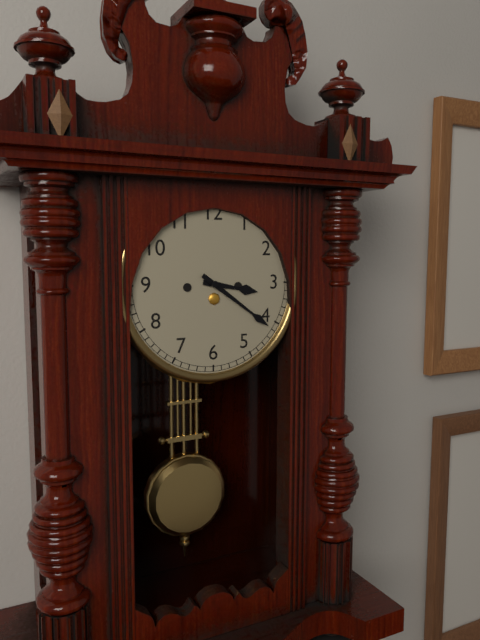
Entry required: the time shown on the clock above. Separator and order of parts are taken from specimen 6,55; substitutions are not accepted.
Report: 3,21
